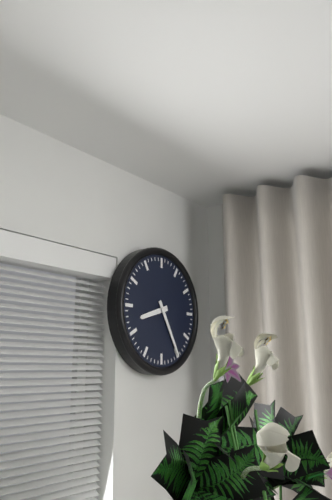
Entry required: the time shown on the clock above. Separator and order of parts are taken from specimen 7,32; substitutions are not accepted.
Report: 8,25
